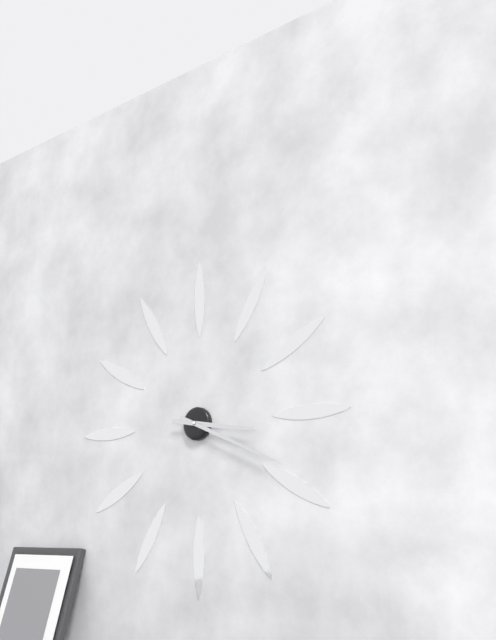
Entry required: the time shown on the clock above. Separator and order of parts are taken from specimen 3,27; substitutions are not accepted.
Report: 3,19
